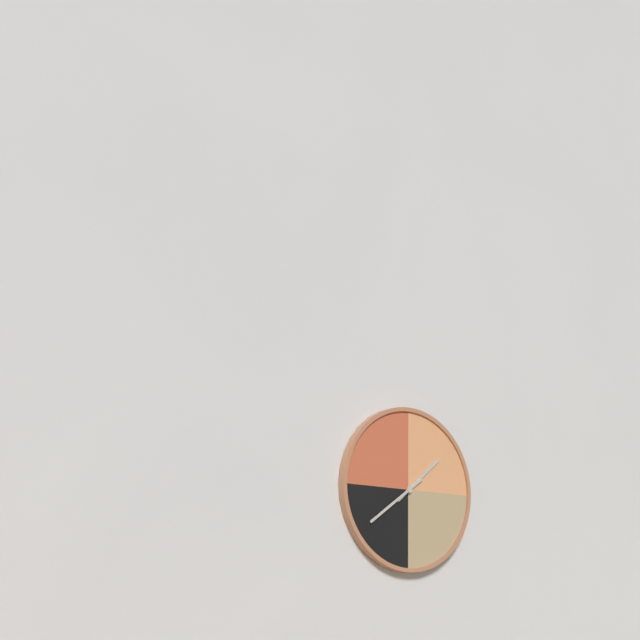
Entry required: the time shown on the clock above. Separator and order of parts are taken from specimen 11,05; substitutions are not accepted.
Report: 1,39
